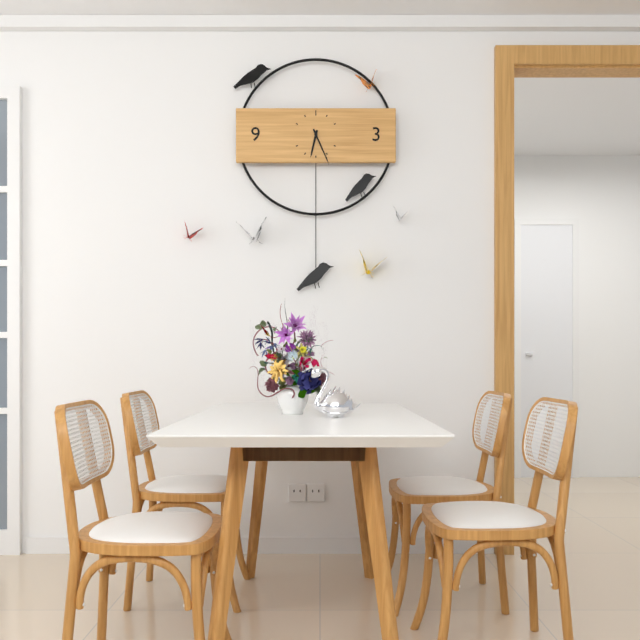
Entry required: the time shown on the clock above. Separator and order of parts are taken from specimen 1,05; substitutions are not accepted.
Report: 6,26
